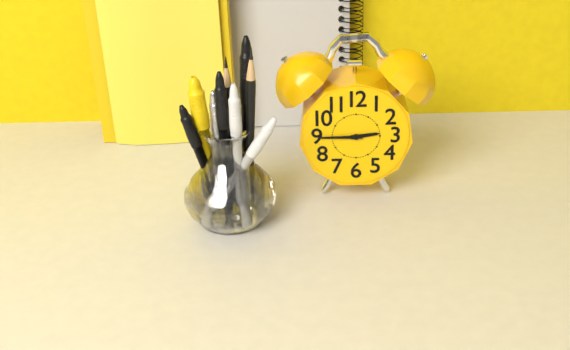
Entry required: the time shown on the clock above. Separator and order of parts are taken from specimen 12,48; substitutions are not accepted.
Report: 2,45
